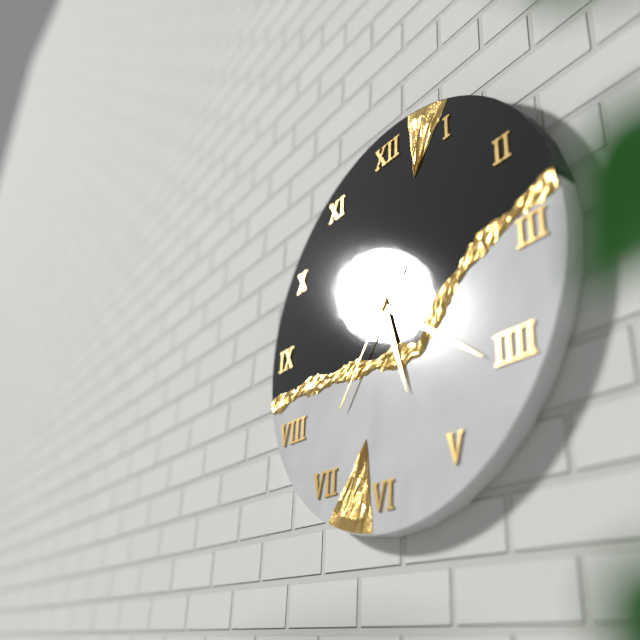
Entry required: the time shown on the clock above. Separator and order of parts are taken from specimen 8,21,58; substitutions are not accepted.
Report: 5,21,36
